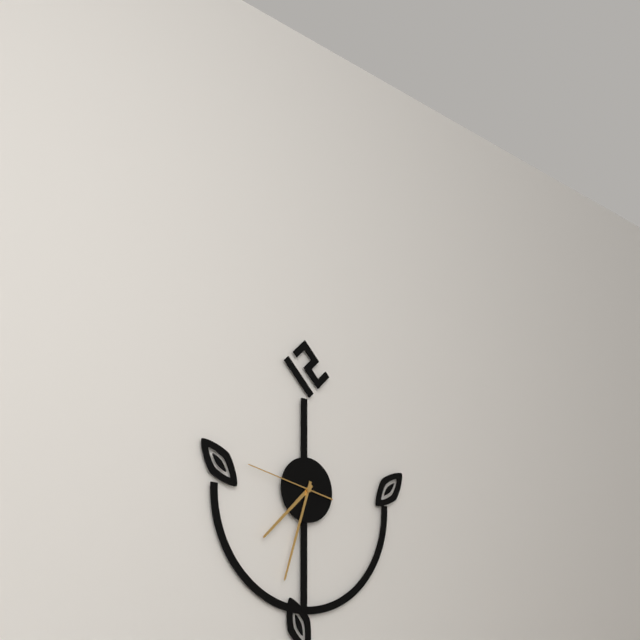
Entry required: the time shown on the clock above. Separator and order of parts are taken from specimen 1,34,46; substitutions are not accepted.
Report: 7,33,47
